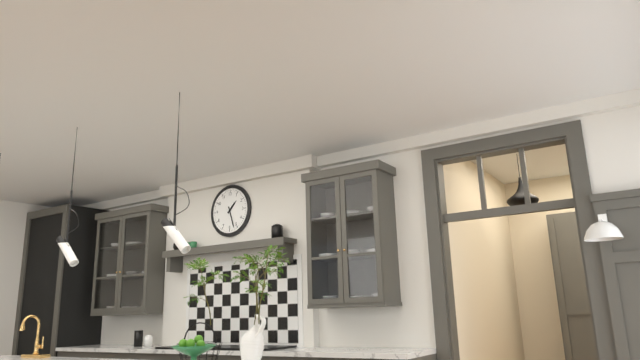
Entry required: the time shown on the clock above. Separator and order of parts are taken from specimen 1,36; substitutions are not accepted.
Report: 1,27
